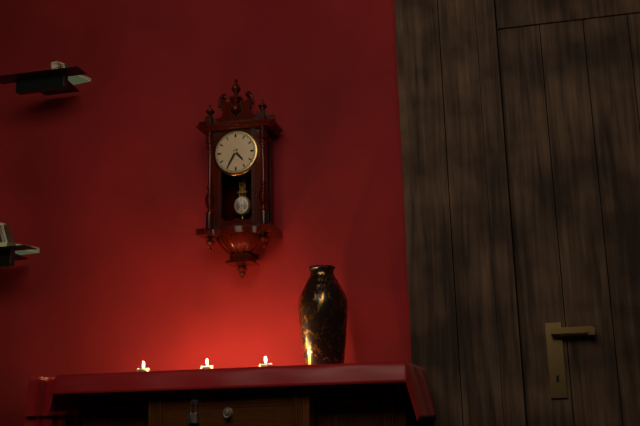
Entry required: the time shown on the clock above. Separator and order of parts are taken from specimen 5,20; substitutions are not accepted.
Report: 4,35
